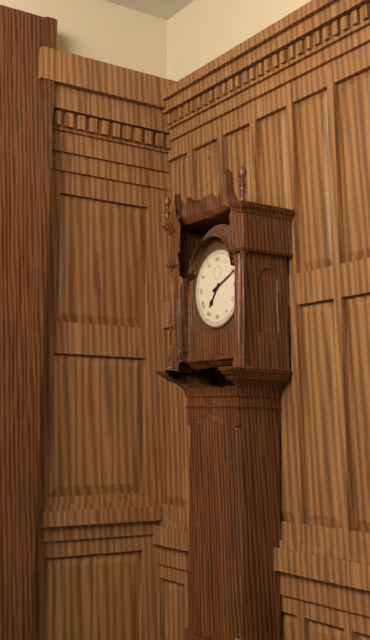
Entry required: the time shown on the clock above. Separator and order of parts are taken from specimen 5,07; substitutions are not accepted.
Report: 7,11
